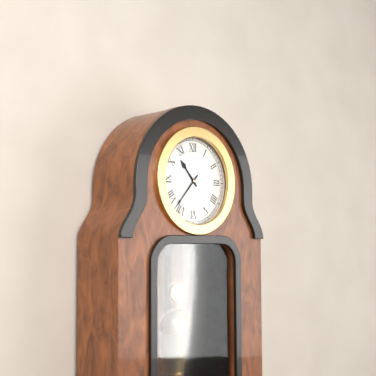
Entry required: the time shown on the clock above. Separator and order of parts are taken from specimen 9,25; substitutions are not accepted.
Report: 10,37
